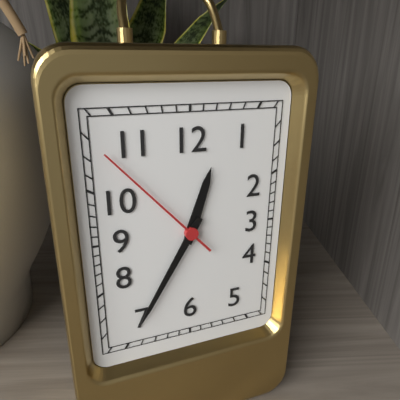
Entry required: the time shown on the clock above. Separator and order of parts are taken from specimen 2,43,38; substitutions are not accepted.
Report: 12,35,53
